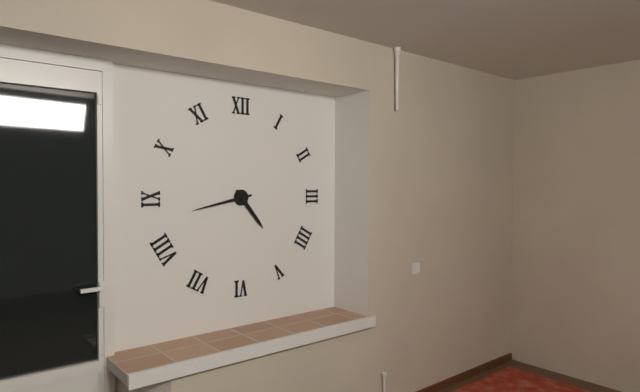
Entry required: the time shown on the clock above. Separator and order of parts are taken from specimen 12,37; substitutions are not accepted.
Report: 4,43
